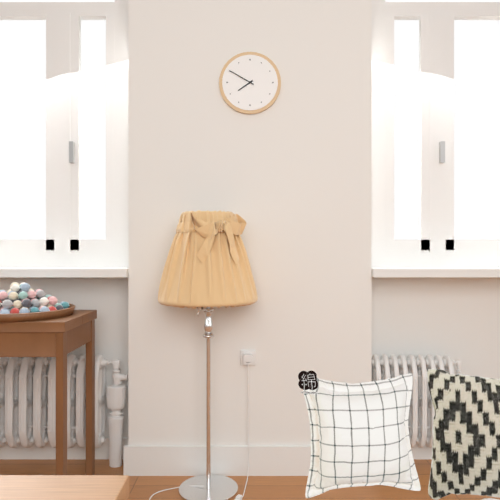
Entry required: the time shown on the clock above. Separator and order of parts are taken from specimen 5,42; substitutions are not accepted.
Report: 7,50
